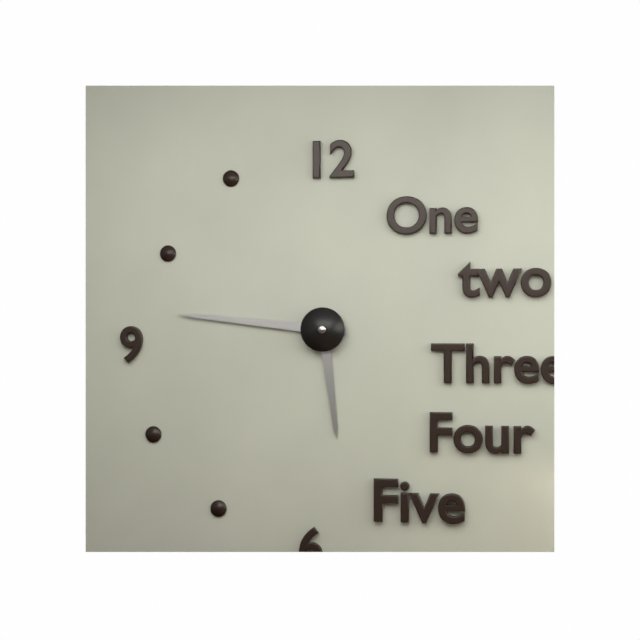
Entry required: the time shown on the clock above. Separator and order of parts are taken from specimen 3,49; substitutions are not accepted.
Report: 5,46
